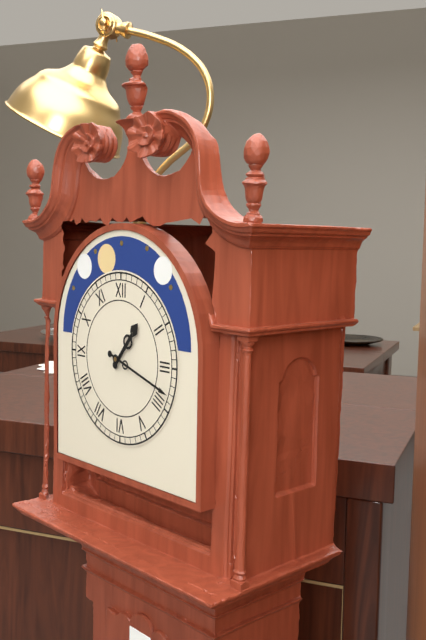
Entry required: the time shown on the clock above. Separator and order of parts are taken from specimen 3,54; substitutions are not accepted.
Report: 1,18
